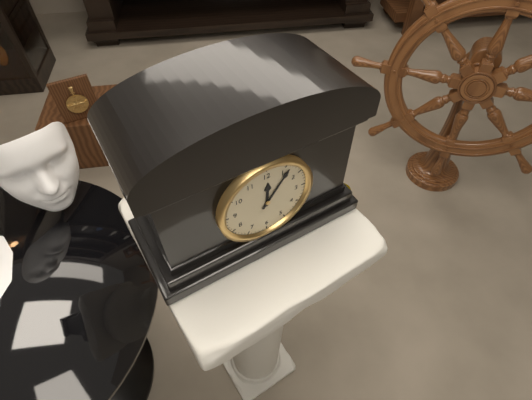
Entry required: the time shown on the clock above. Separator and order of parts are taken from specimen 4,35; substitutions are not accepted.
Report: 12,06
